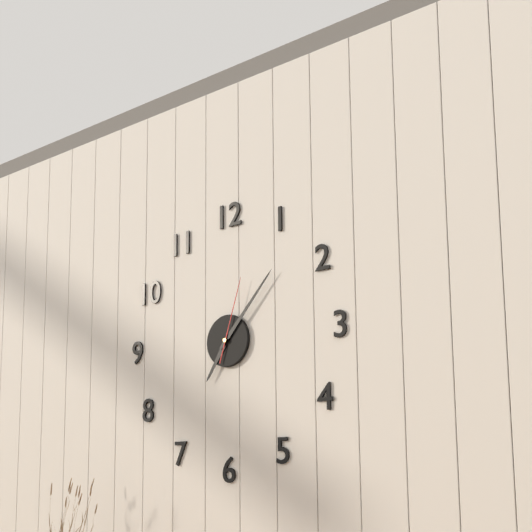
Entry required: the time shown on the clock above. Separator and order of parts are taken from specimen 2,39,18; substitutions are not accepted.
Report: 7,07,03
